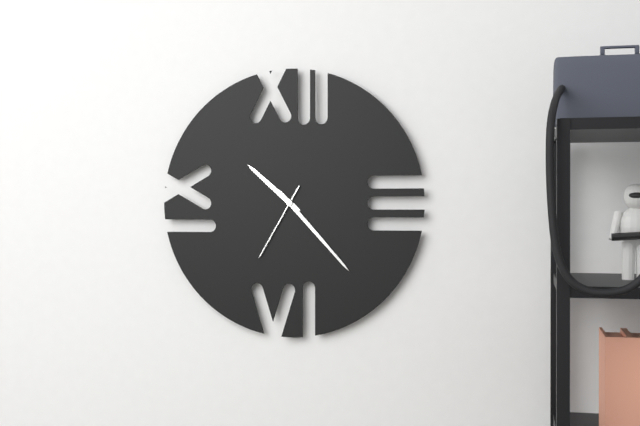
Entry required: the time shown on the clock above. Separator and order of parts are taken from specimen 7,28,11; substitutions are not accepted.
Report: 10,23,35
